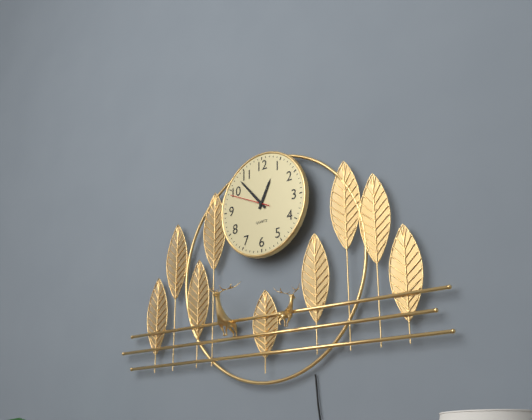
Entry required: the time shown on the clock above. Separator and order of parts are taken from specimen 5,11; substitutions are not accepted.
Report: 12,53
